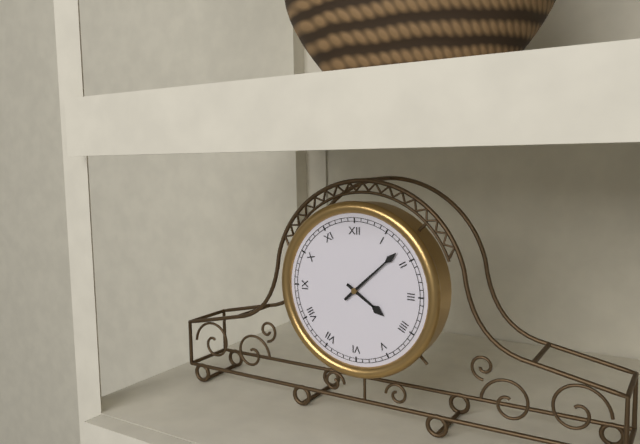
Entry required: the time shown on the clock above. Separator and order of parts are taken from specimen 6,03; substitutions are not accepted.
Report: 4,08
